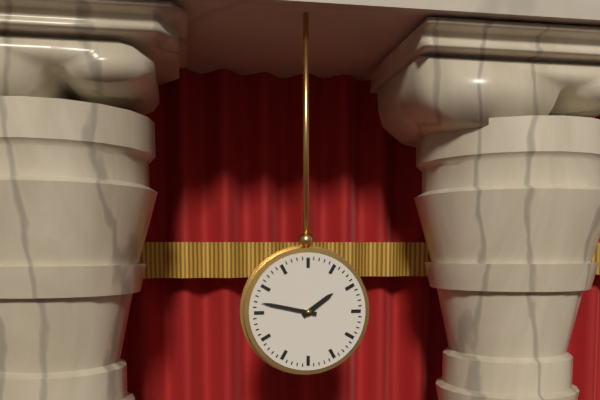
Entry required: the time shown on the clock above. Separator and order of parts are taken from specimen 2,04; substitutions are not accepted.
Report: 1,47
